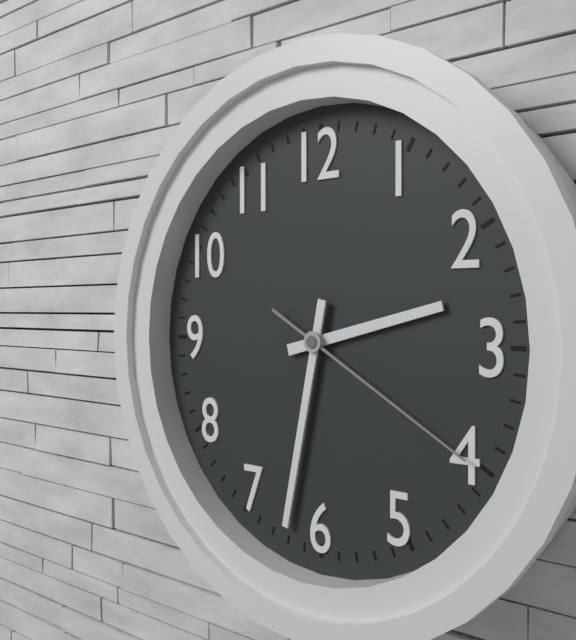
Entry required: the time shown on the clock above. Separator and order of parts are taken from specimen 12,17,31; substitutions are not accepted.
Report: 2,32,20
